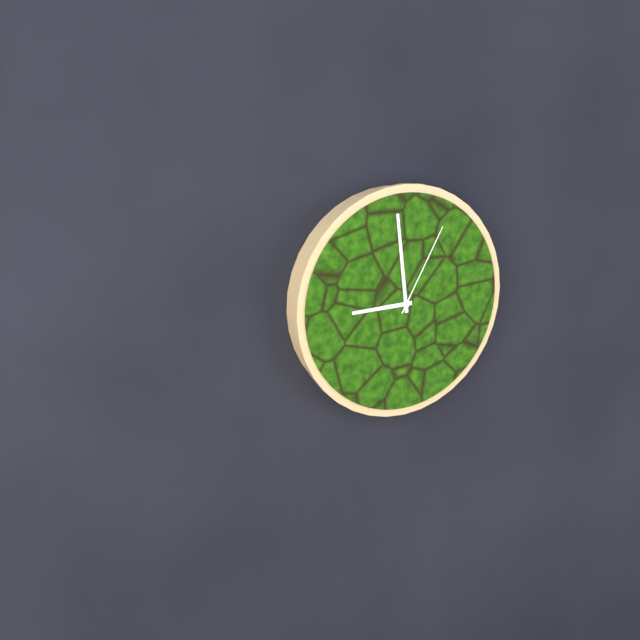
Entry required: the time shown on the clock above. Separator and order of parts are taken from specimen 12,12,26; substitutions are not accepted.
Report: 8,59,05
